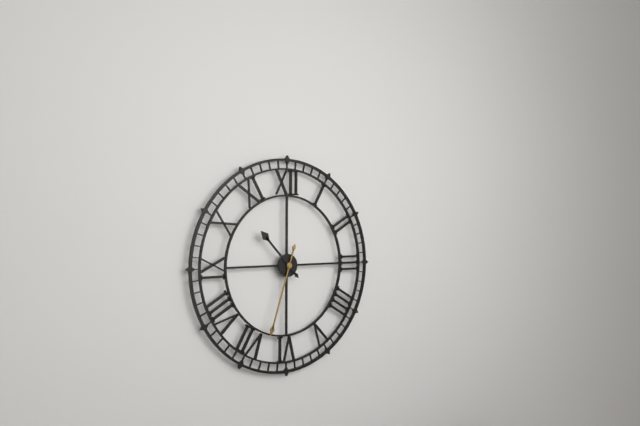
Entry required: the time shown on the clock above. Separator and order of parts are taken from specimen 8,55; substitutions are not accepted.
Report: 10,33
